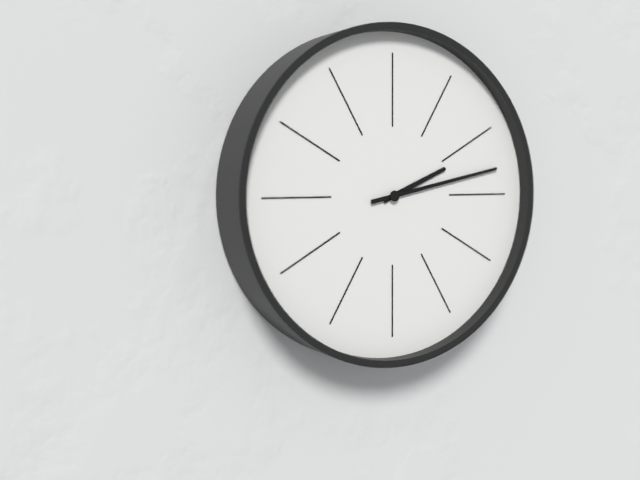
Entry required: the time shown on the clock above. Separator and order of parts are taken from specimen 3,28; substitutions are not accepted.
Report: 2,13
